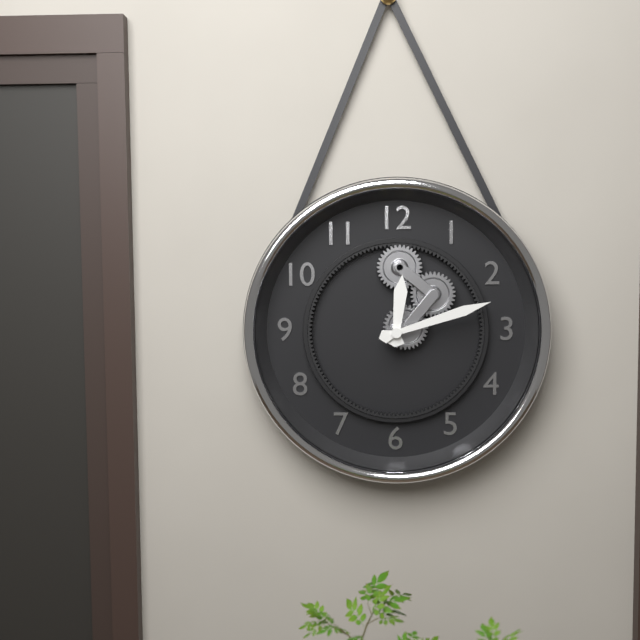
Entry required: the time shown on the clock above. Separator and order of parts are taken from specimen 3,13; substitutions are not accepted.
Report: 12,12
